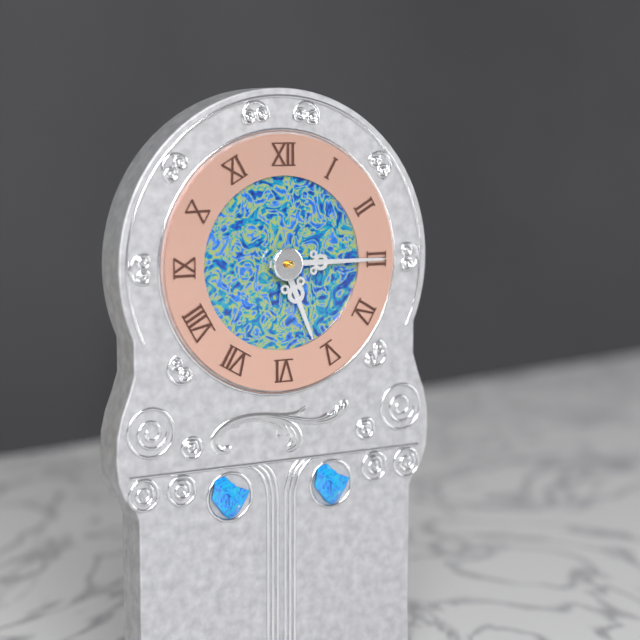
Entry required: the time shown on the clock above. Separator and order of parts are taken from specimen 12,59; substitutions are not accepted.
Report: 5,15
